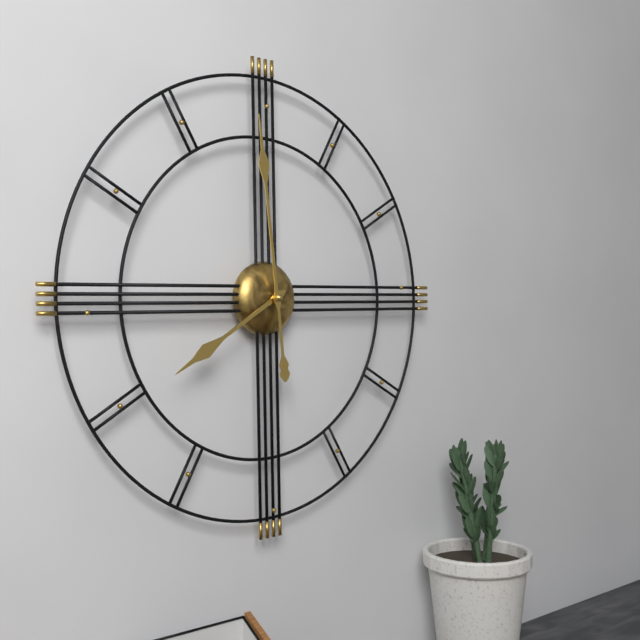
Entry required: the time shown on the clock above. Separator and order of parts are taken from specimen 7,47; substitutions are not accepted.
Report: 7,59
